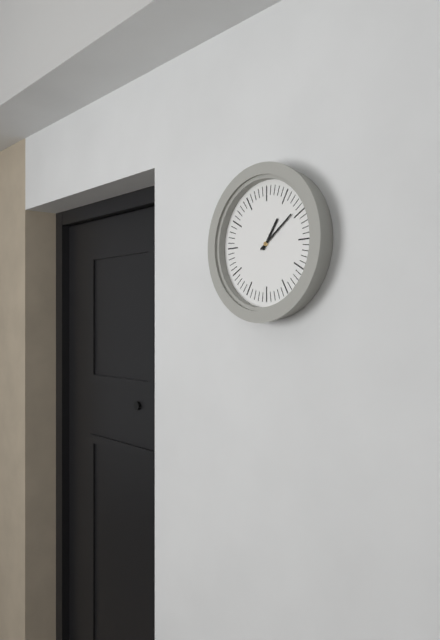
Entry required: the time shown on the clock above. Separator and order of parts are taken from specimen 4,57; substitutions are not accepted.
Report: 1,09
